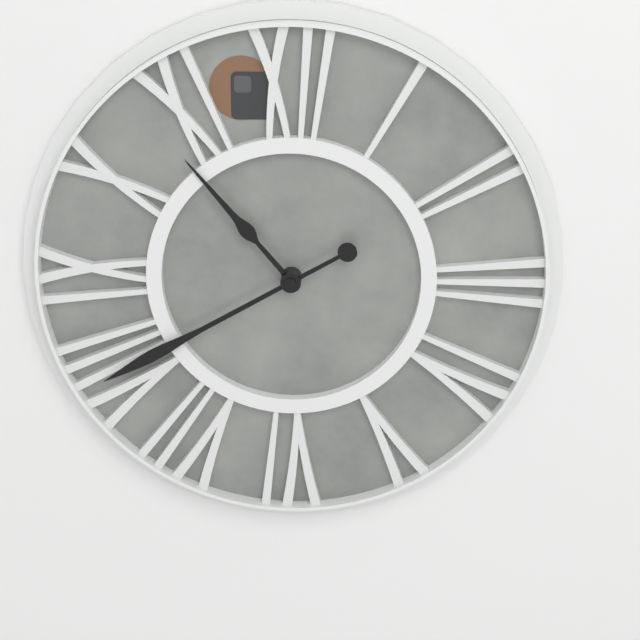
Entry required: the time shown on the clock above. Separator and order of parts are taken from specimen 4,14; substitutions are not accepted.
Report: 10,40
